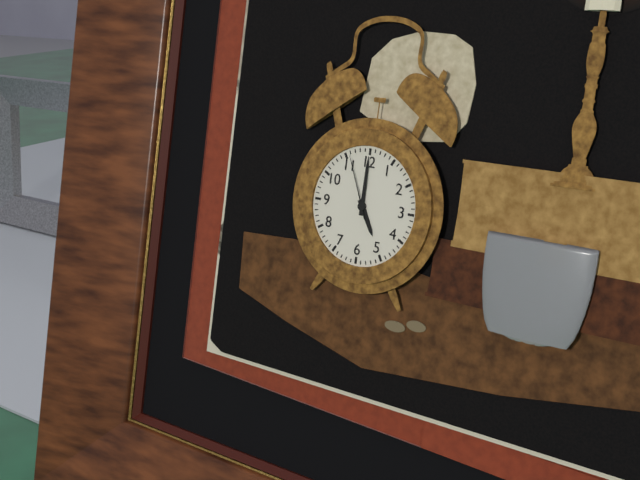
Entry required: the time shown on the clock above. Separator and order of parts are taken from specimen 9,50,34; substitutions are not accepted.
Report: 5,00,56
